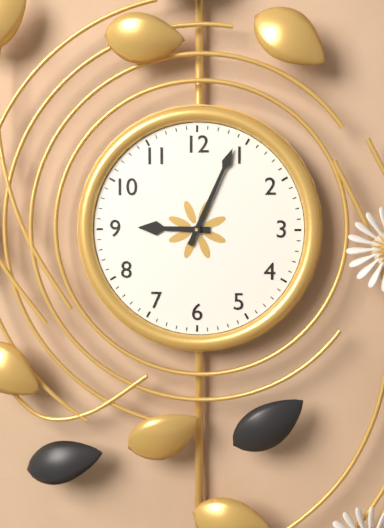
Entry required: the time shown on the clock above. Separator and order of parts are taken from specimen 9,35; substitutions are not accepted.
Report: 9,04
